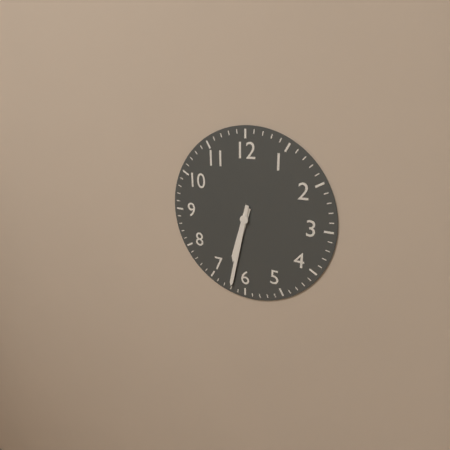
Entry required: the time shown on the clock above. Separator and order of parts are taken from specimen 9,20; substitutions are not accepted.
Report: 6,32
